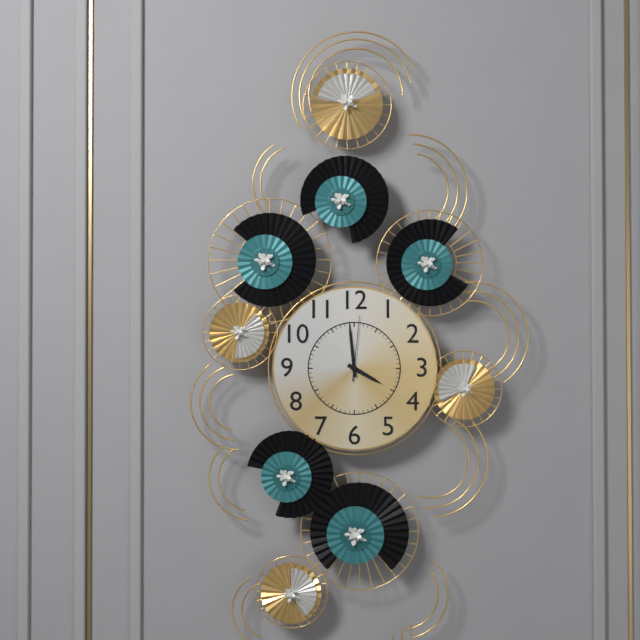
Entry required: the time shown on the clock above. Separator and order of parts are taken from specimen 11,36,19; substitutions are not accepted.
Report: 3,59,01
